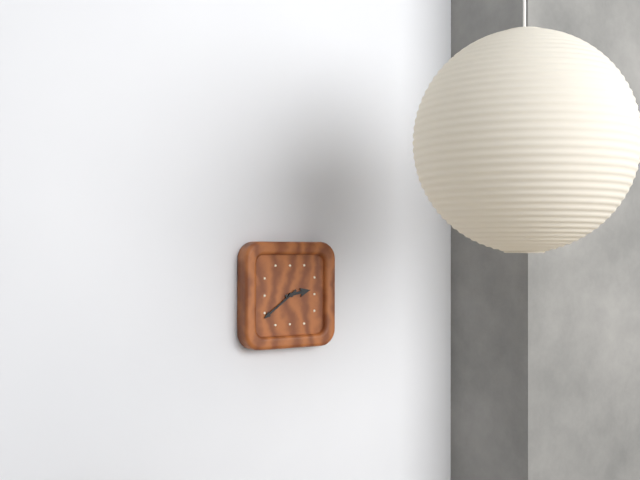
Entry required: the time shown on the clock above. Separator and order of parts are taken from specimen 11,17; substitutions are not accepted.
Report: 2,39
